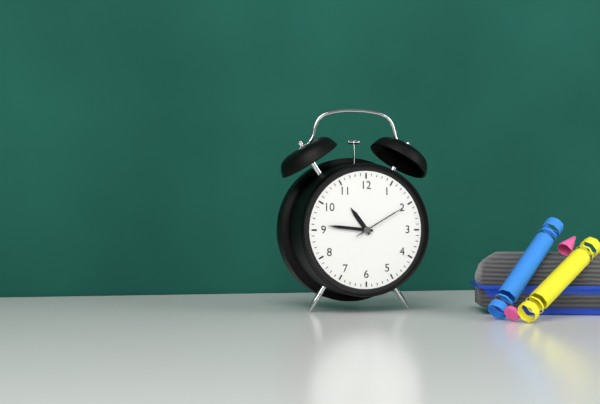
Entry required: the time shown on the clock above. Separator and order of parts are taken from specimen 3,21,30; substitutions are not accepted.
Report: 10,46,10
